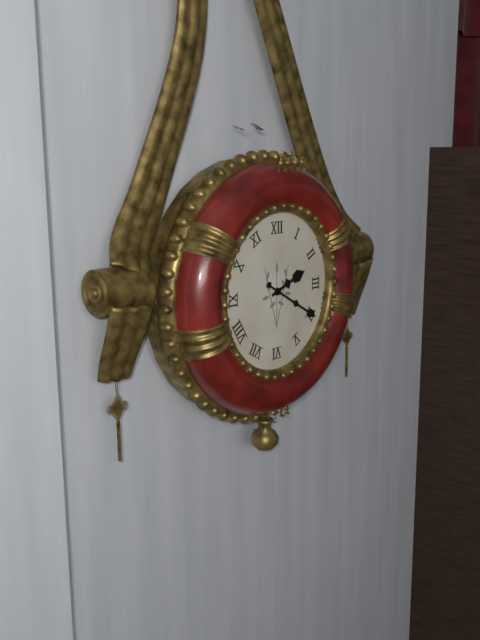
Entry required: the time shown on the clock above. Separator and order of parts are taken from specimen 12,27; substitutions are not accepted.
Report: 2,20
